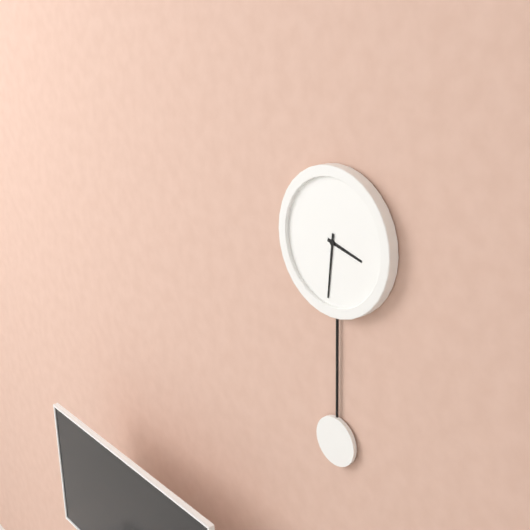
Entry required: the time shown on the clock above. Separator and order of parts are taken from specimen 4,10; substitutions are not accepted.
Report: 3,31
